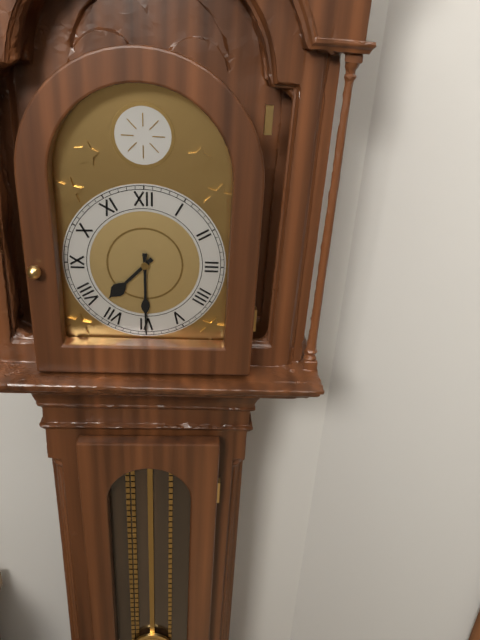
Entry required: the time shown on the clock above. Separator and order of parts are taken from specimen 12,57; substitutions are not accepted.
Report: 7,30
